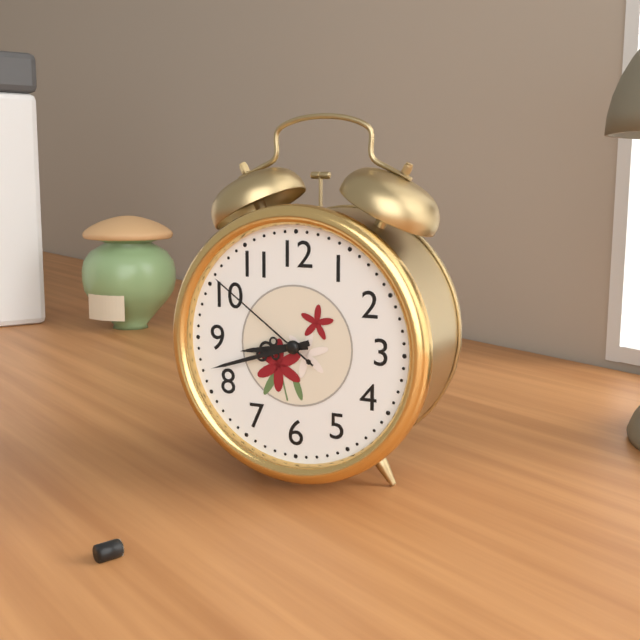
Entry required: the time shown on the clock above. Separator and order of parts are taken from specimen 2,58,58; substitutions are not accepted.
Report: 8,42,51
